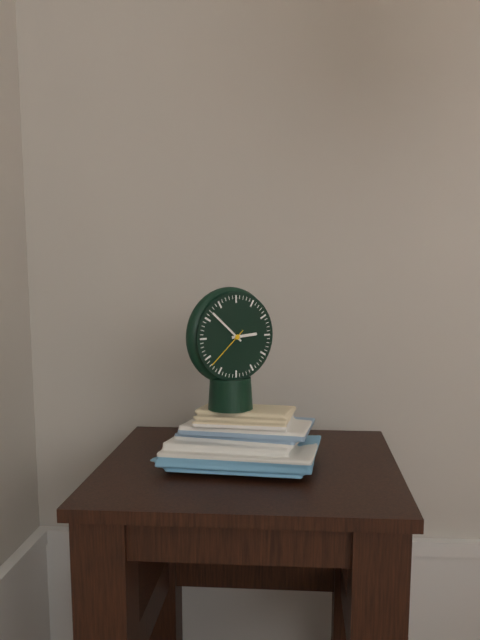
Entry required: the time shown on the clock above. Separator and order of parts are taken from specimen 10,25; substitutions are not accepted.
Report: 2,52
